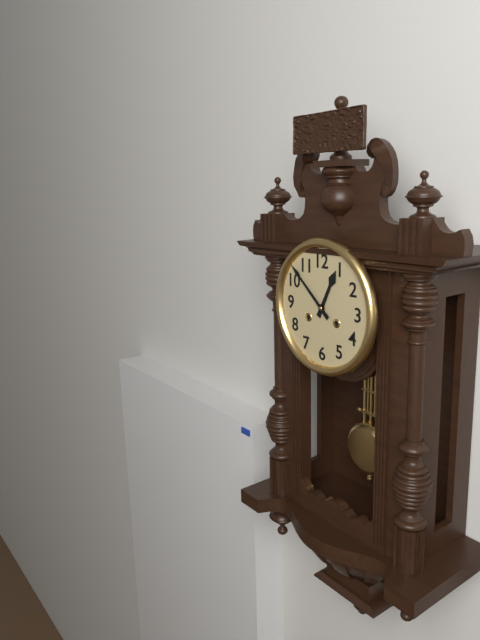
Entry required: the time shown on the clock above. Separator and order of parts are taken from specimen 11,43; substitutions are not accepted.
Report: 12,52
